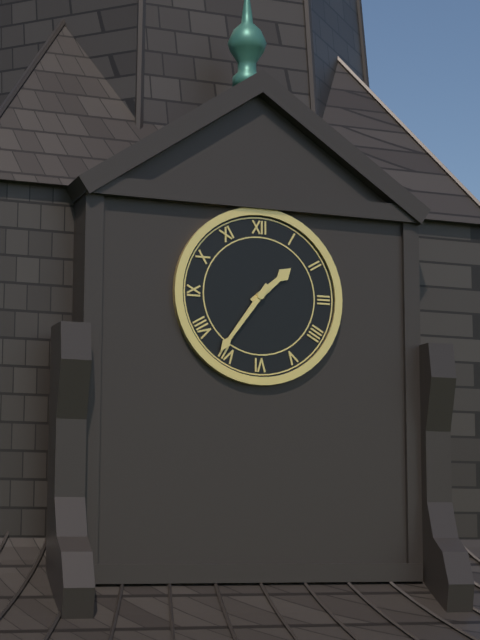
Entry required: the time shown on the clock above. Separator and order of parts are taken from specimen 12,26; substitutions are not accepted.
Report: 1,36
